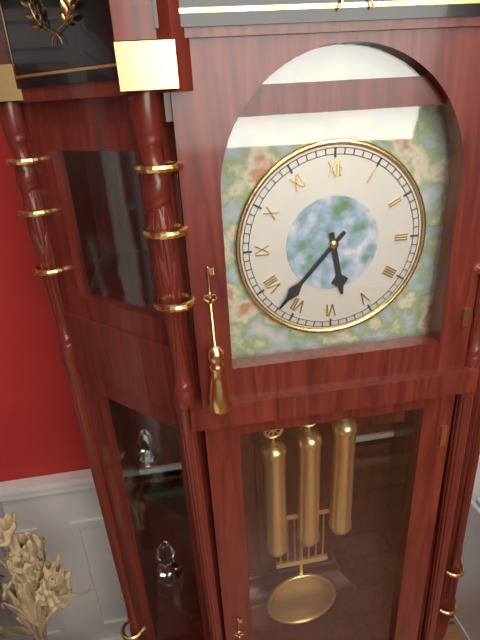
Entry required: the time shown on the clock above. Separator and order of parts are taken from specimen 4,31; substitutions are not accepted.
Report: 5,37
